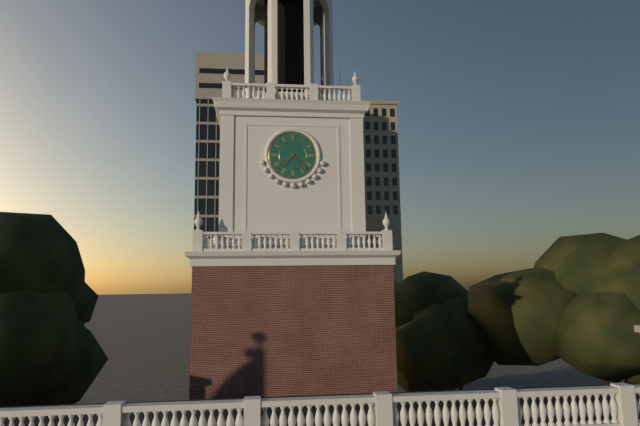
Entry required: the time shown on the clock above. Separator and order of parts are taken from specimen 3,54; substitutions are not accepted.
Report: 7,23
